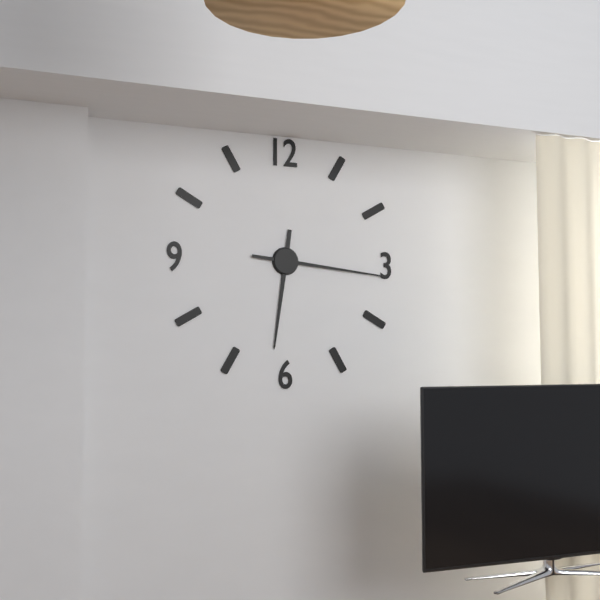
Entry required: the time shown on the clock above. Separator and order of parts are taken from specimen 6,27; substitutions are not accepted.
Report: 6,16
